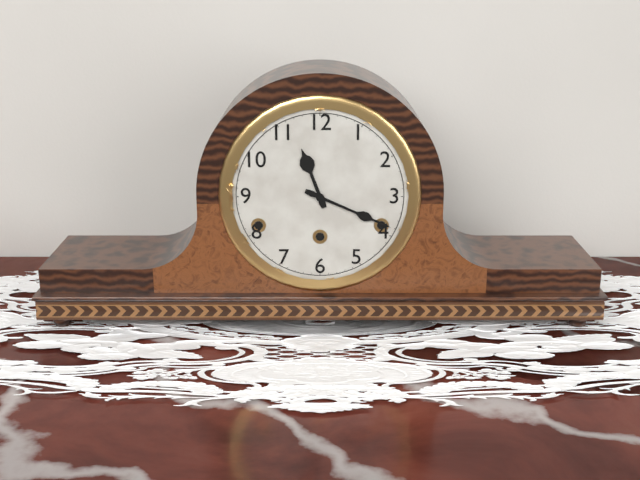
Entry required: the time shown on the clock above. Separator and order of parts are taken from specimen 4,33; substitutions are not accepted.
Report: 11,19
